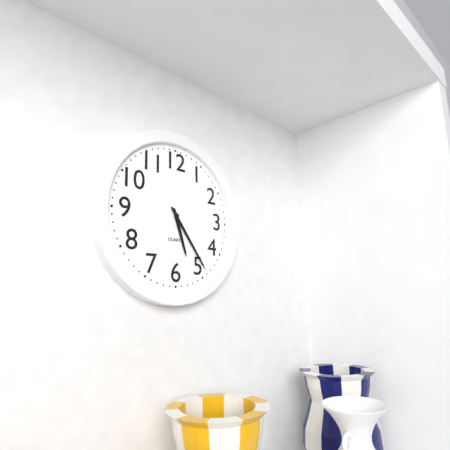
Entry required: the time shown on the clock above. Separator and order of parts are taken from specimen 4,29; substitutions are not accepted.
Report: 5,24
